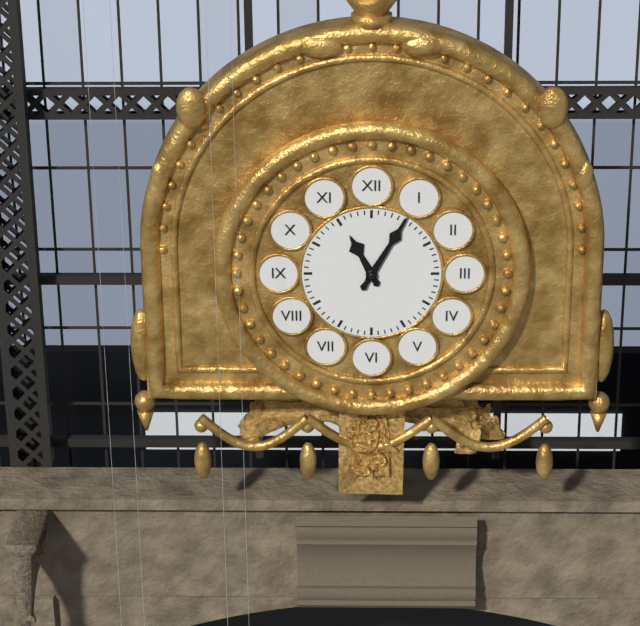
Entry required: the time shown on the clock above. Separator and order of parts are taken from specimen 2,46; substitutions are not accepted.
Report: 11,05
